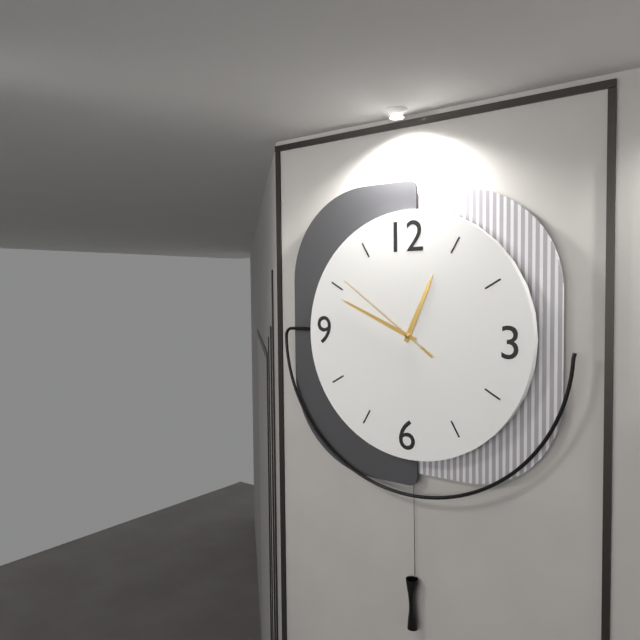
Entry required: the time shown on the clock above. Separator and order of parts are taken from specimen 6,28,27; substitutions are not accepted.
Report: 12,49,51
